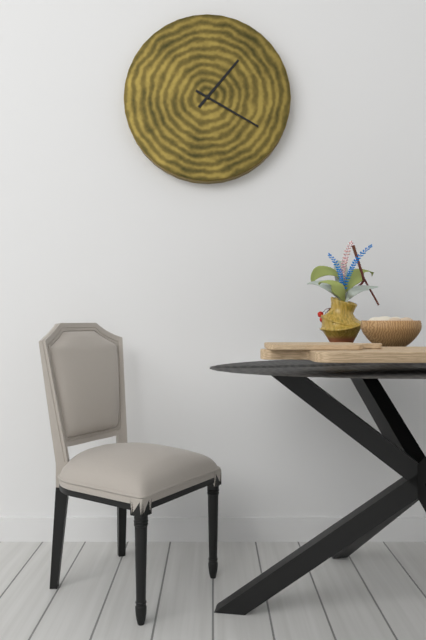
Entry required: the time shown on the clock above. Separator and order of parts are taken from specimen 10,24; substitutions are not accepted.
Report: 1,20
